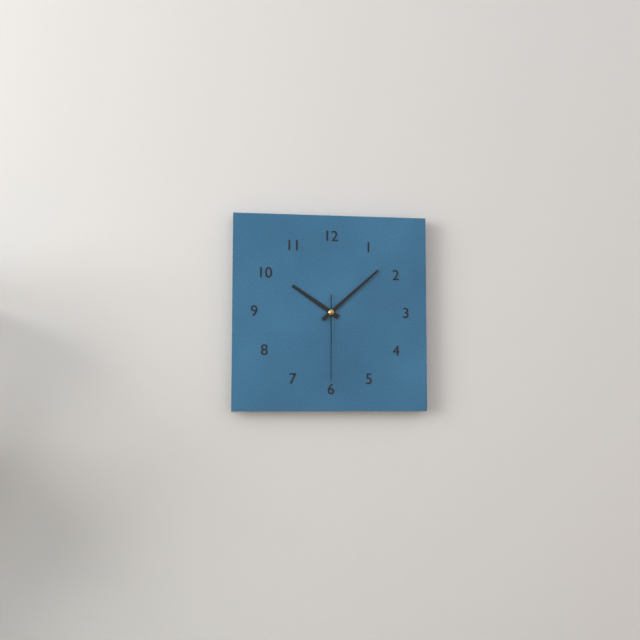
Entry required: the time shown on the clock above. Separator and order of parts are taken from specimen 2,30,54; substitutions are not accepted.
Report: 10,08,30
